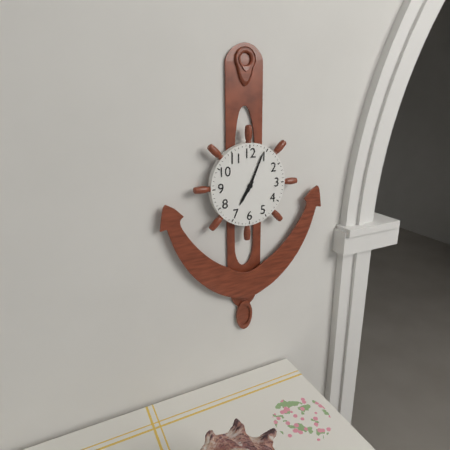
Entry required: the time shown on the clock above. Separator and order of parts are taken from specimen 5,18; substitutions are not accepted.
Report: 7,04
